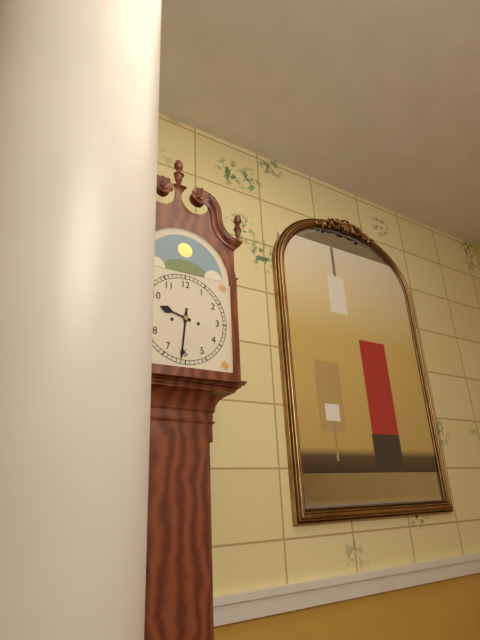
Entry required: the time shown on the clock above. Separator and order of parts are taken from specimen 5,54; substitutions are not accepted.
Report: 9,31
